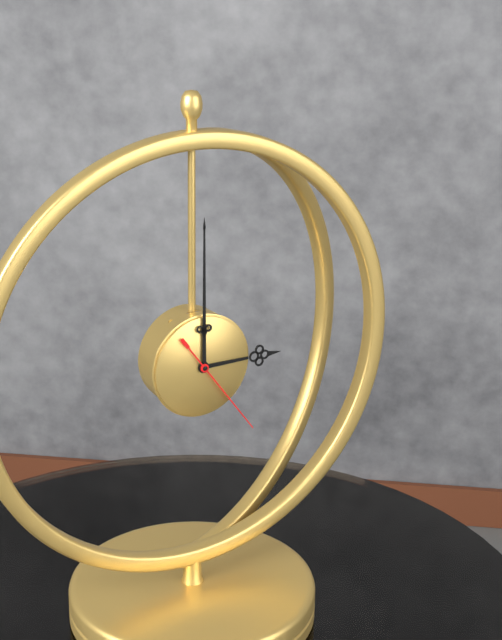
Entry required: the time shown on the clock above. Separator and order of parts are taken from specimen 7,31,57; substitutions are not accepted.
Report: 3,00,24
